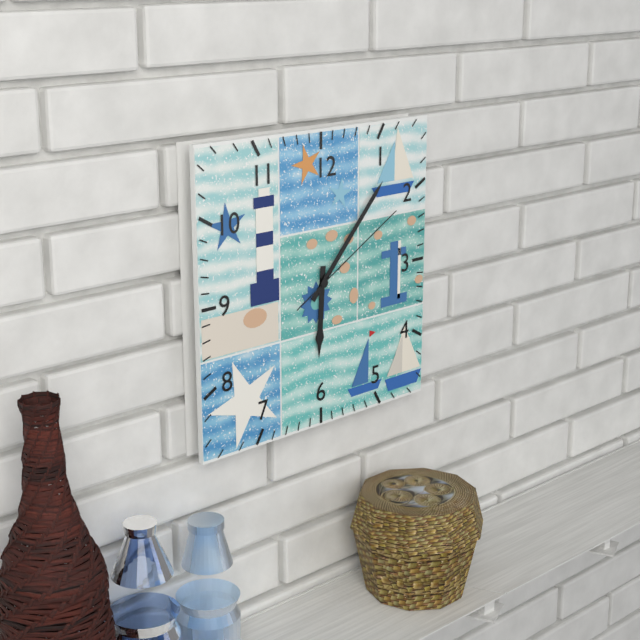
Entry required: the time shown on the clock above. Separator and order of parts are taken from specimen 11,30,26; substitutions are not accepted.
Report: 6,07,10
